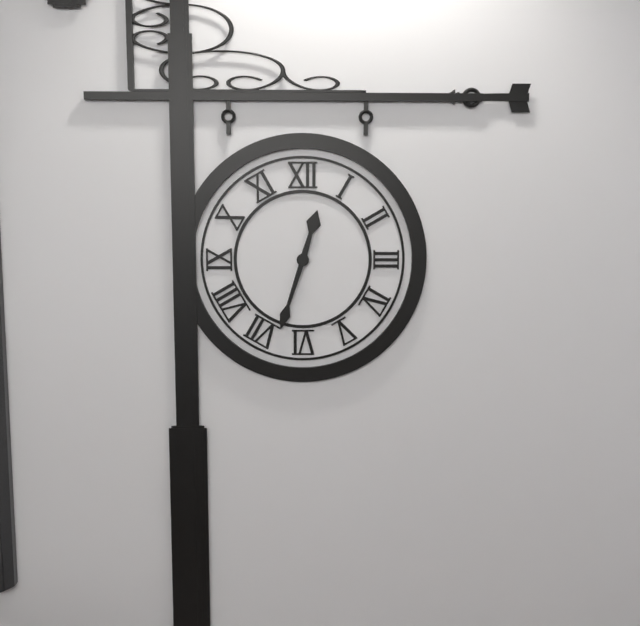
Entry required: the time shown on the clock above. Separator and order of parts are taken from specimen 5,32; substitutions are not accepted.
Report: 12,33
